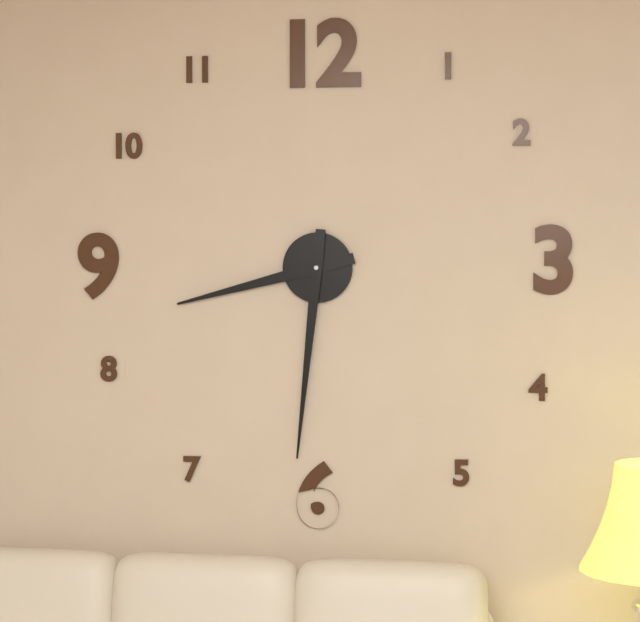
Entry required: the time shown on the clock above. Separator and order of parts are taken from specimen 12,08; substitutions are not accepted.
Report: 8,31
